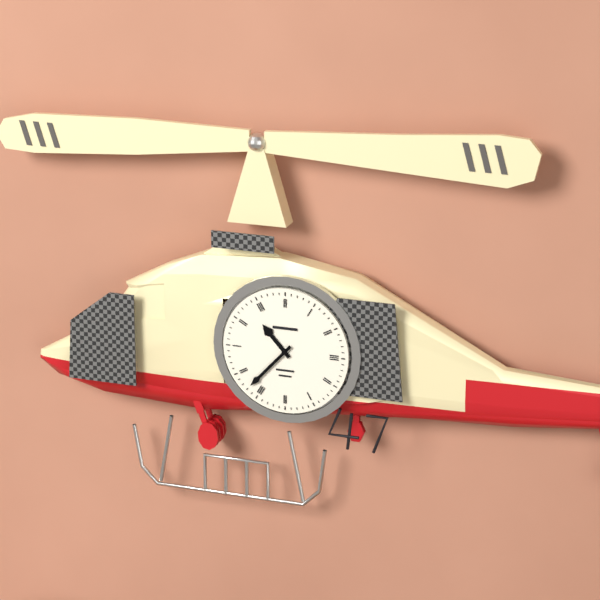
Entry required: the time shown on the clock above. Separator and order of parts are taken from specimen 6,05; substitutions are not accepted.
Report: 10,37
